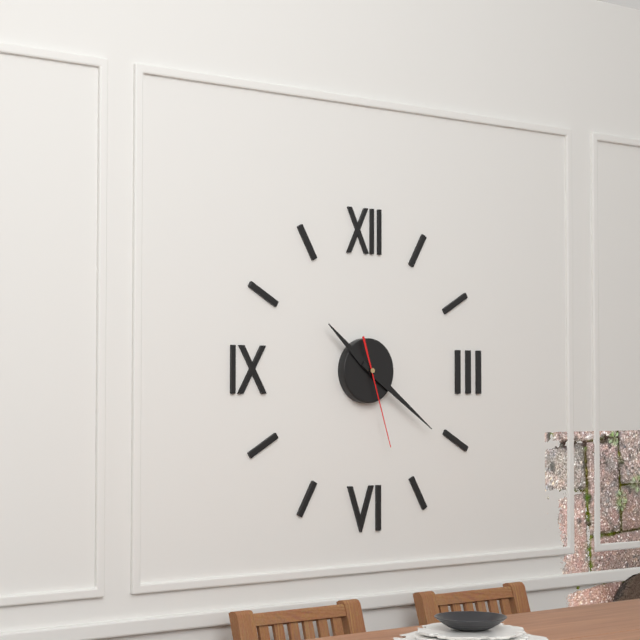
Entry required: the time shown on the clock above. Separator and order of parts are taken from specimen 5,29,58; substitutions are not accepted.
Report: 10,21,27
